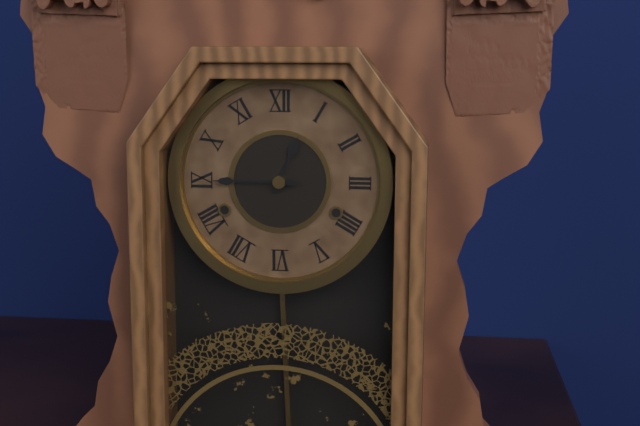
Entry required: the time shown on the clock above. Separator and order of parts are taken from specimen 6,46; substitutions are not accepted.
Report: 12,45
